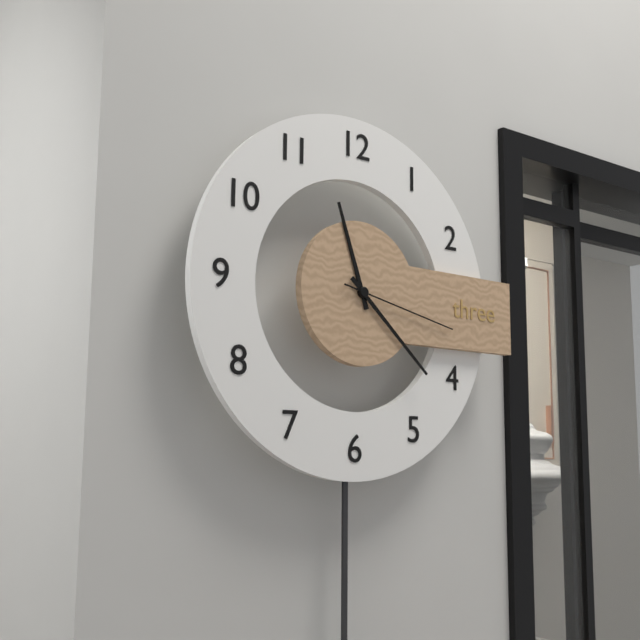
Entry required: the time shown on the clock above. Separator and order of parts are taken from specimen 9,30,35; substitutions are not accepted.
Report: 11,22,17
